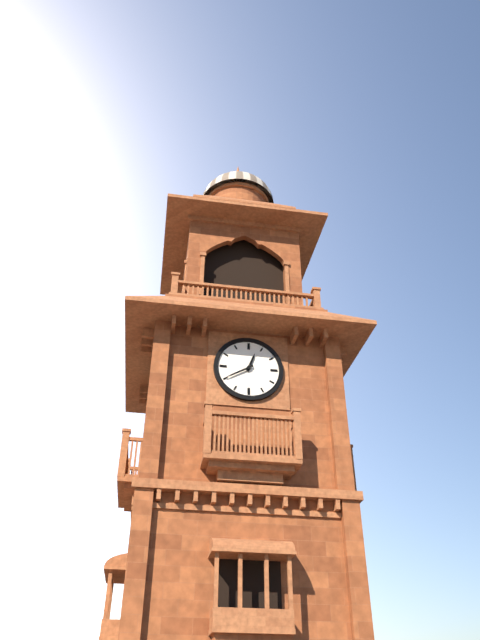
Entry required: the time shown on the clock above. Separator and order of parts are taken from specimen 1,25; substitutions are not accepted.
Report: 12,40
